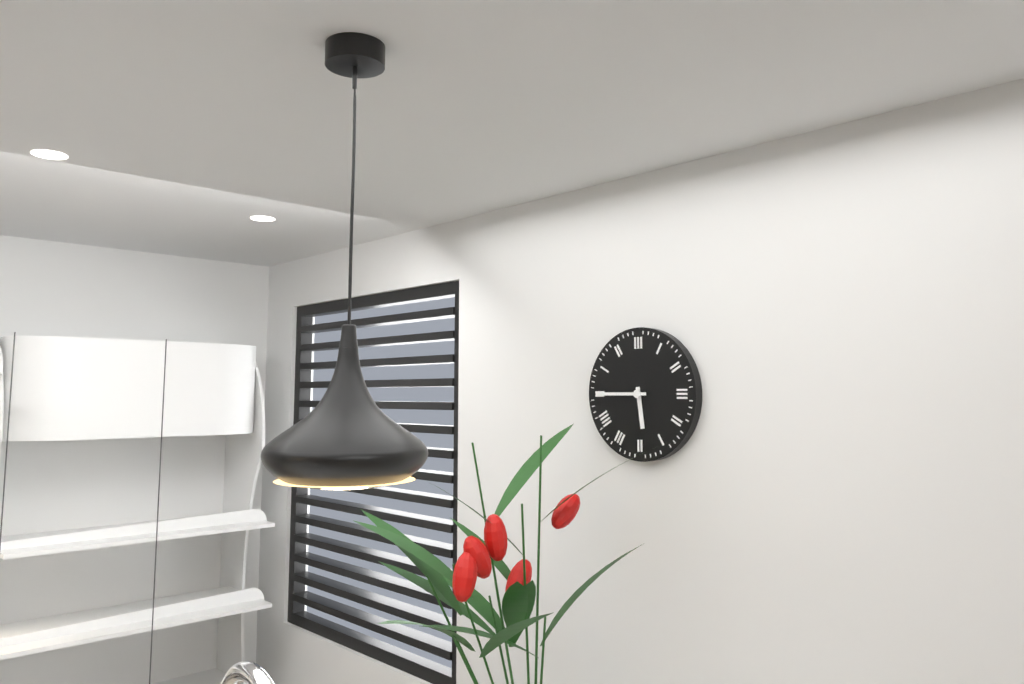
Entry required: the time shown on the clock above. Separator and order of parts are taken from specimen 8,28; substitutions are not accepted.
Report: 5,45
